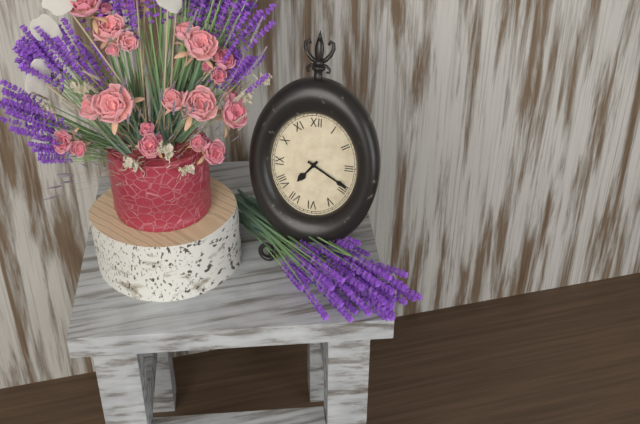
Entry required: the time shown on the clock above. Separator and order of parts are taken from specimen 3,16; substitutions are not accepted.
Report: 7,20
